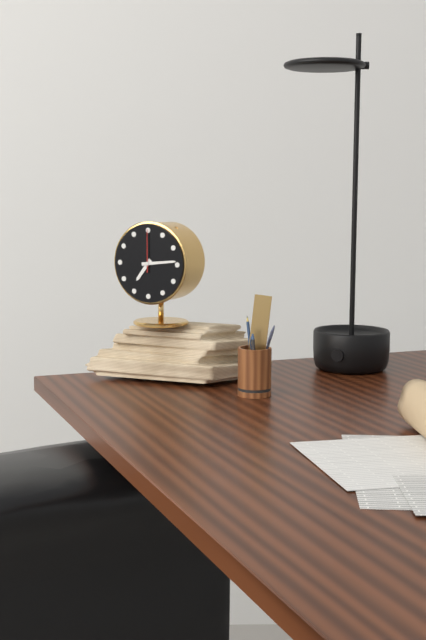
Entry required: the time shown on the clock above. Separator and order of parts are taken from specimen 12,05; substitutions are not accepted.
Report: 7,14
